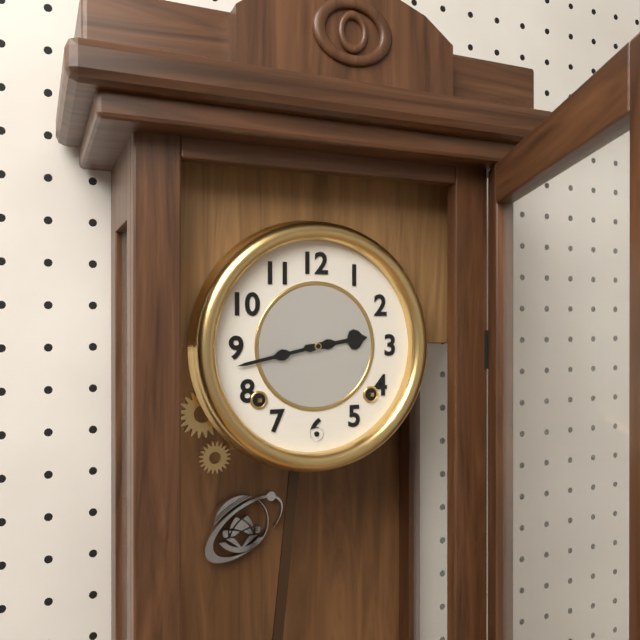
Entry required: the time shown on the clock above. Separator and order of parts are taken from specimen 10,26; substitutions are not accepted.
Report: 2,43
